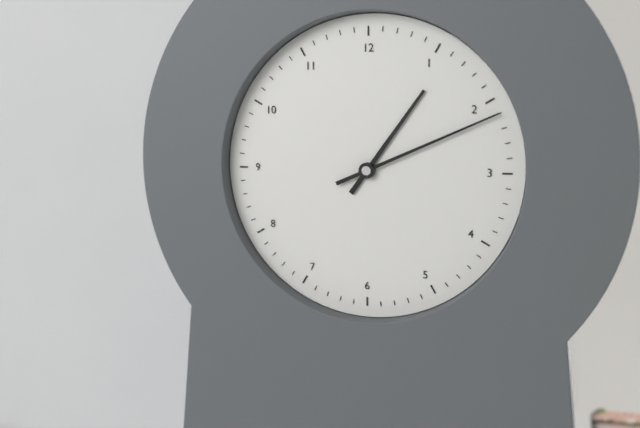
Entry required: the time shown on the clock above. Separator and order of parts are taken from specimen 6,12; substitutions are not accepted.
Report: 1,11
